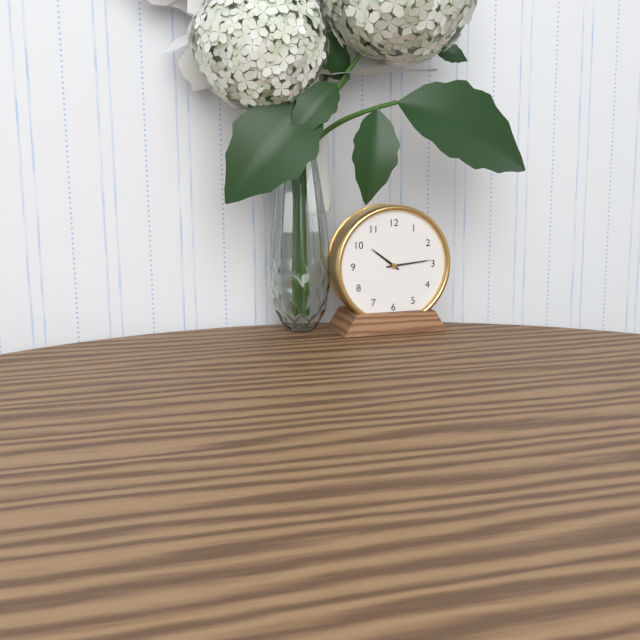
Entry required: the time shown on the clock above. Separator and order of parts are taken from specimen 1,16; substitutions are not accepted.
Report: 10,14
